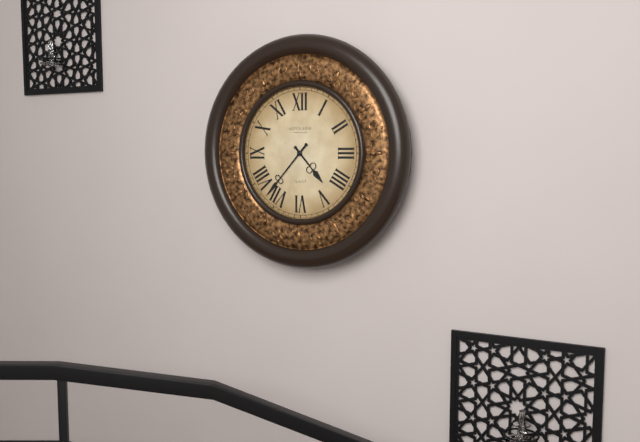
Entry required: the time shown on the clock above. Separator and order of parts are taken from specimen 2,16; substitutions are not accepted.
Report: 4,37
